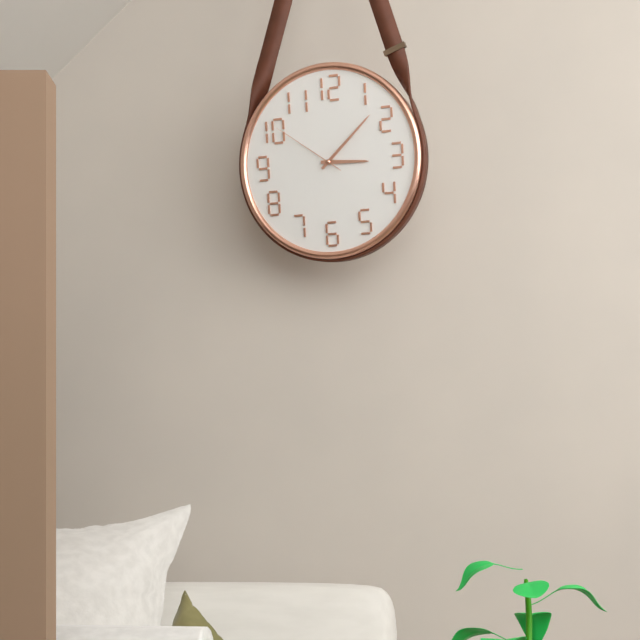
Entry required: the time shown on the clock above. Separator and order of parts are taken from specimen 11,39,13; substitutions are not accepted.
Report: 3,08,51
